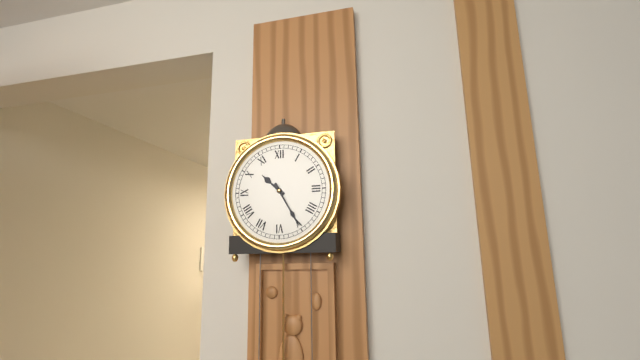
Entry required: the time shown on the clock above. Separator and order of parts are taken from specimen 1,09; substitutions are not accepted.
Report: 10,25
